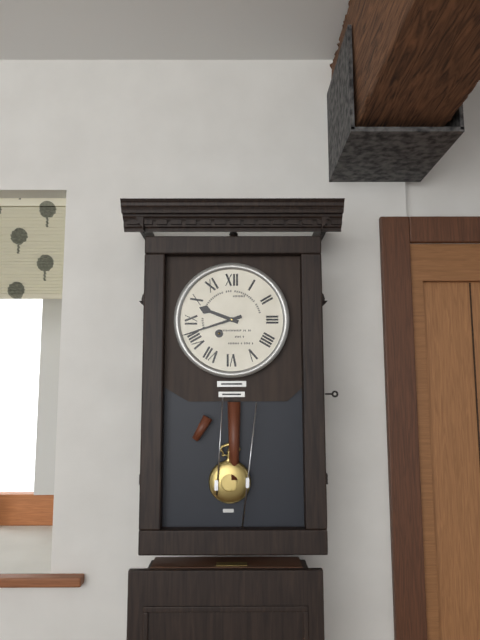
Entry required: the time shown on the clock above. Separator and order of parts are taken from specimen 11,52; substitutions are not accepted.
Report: 9,42
